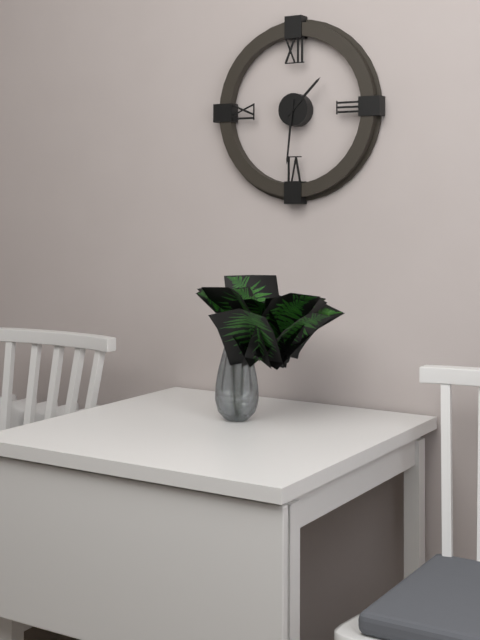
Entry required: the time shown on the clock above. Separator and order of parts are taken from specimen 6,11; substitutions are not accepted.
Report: 1,31
